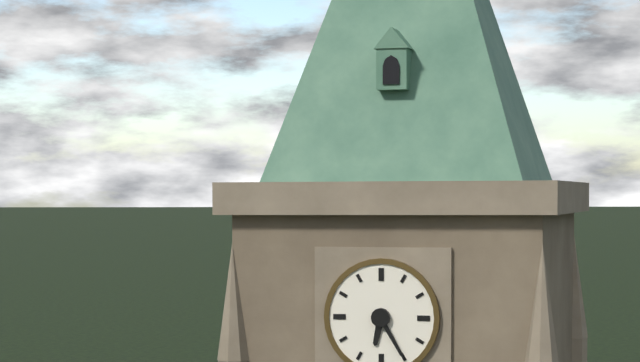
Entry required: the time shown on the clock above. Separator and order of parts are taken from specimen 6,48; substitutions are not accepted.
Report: 6,25
